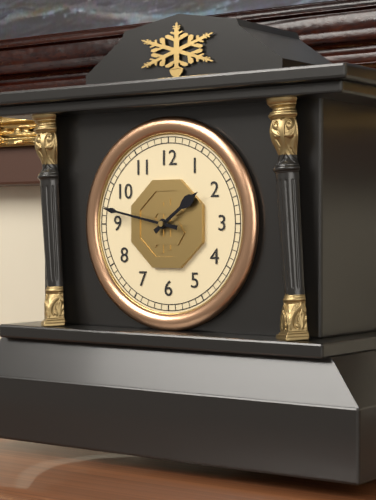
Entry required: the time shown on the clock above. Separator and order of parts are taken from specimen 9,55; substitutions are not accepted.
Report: 1,47
